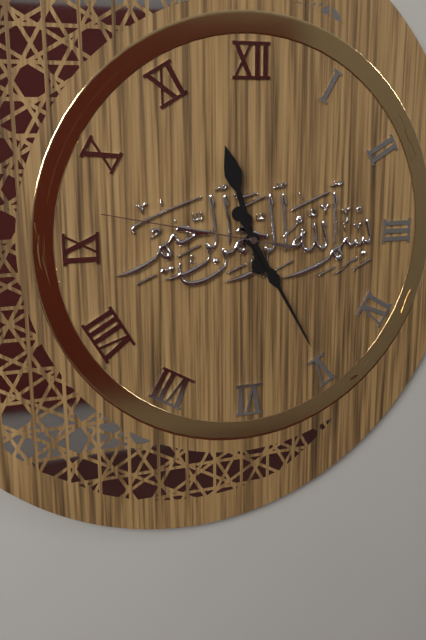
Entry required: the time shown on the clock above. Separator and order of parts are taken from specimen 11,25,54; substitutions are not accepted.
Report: 11,25,47
